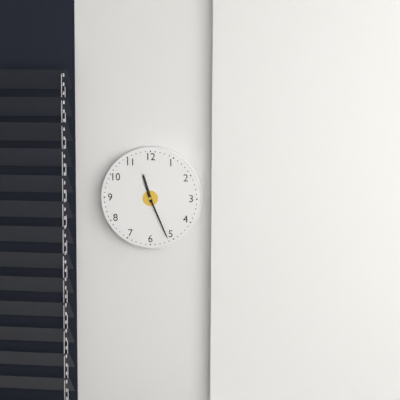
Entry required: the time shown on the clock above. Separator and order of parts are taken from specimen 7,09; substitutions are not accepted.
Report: 11,26
